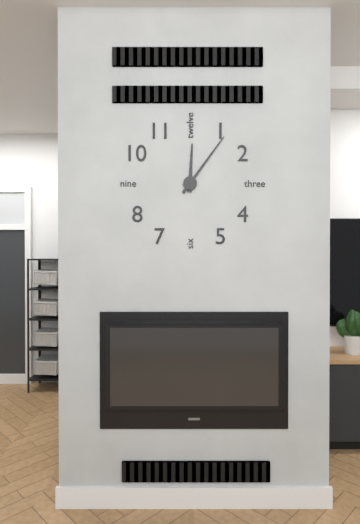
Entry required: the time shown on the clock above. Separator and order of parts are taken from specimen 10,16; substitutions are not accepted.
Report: 12,06
